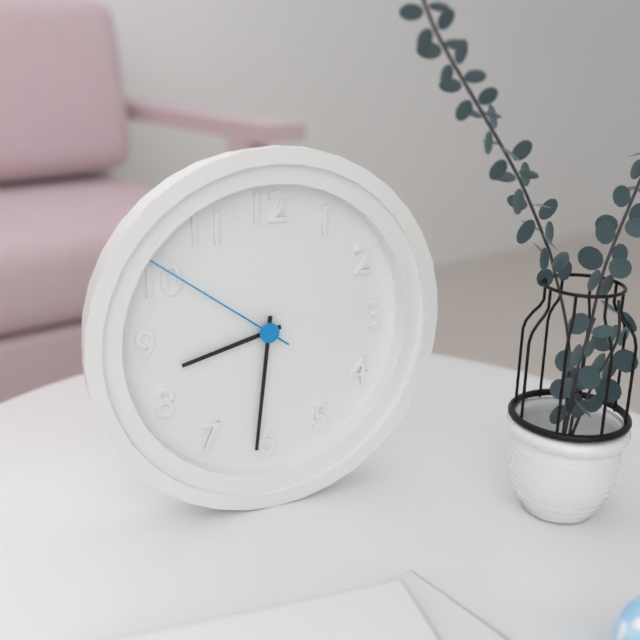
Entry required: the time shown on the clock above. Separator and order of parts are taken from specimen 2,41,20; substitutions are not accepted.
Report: 8,31,51
